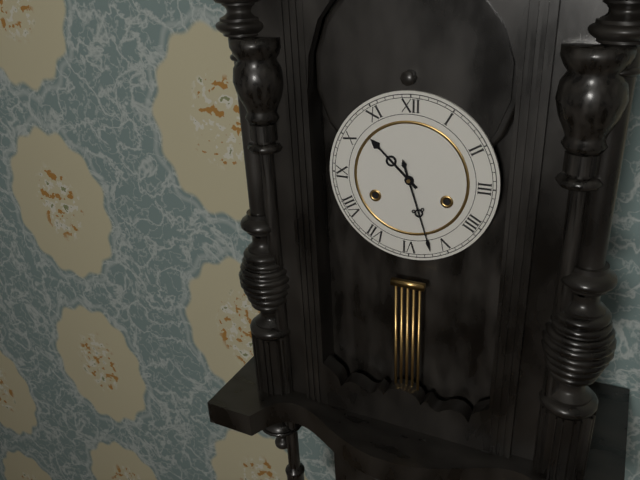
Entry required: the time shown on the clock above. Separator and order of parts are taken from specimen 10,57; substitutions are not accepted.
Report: 10,27
